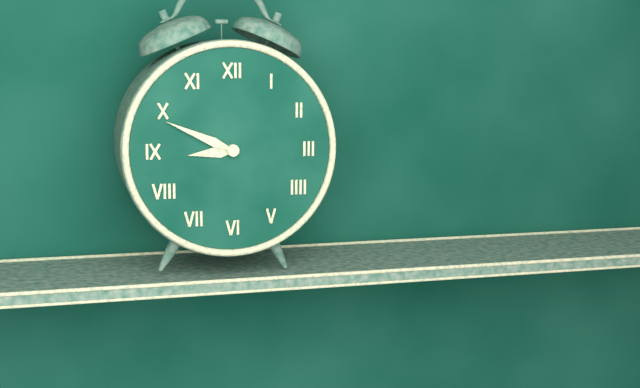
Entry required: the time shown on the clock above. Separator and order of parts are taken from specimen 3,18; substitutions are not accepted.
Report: 8,49
